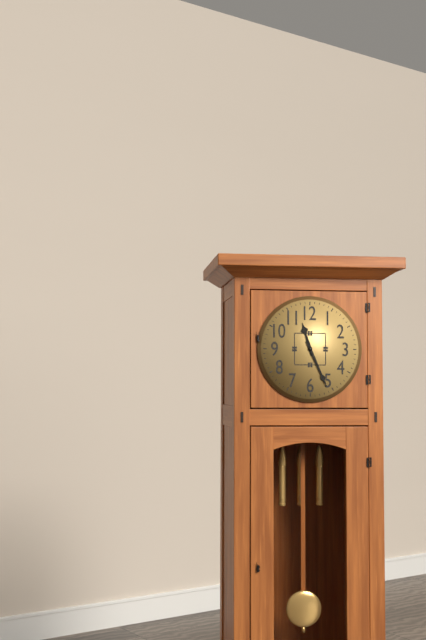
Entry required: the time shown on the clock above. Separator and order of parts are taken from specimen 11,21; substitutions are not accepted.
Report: 11,26
